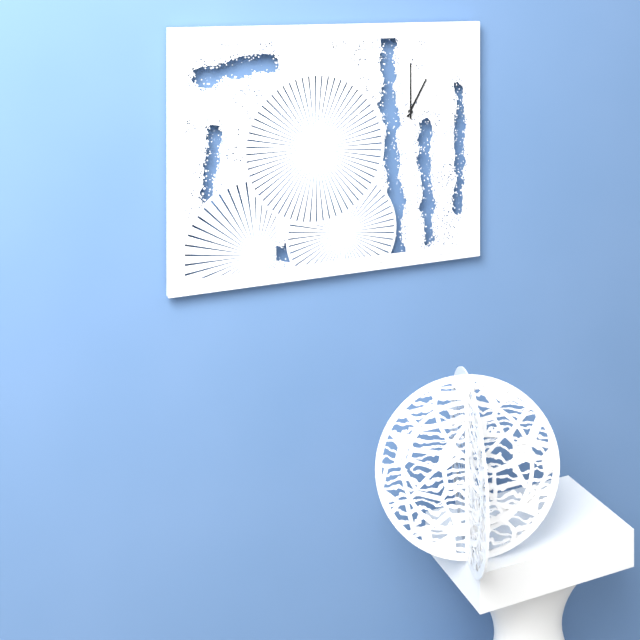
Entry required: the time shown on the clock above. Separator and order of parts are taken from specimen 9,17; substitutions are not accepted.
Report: 1,00
